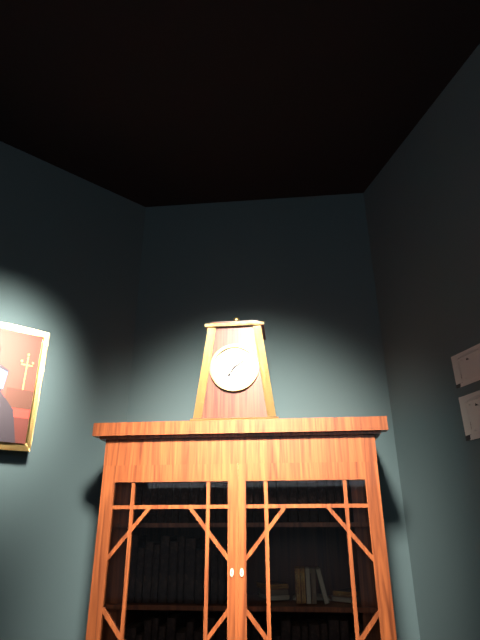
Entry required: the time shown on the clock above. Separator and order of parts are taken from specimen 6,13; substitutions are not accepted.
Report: 7,09
